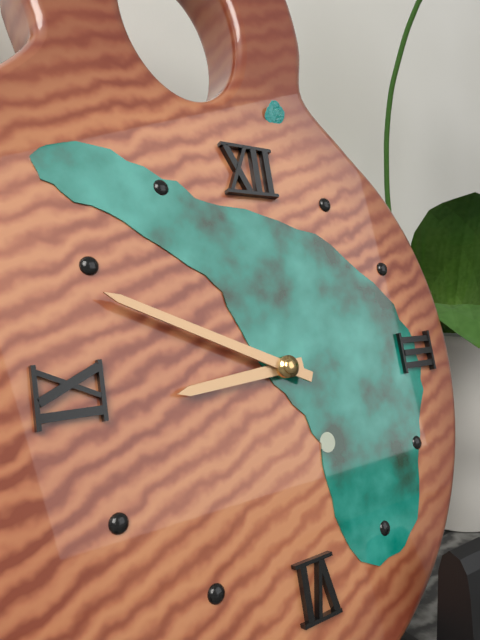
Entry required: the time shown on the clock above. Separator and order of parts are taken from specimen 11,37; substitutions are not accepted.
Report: 8,49
